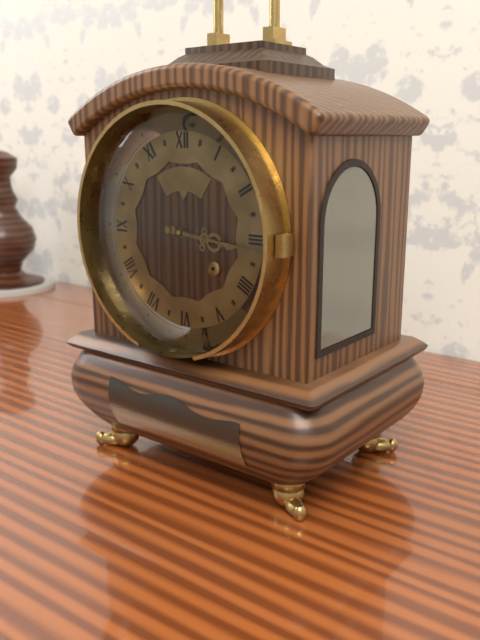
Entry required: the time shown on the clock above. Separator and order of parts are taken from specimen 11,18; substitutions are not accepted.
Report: 3,16
